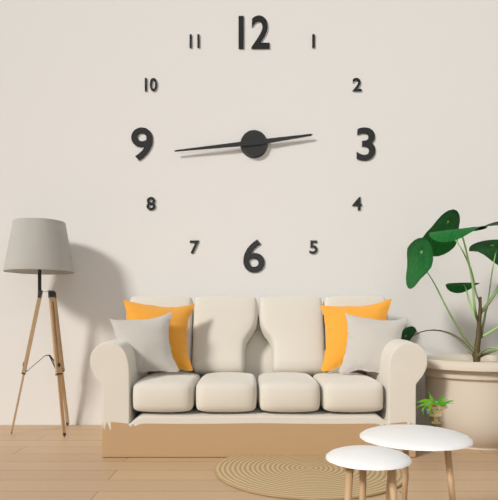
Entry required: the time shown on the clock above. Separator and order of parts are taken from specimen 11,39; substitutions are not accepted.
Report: 2,44
